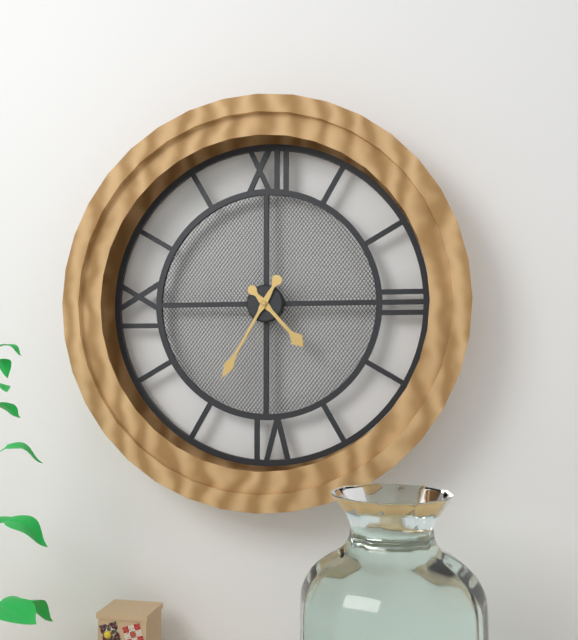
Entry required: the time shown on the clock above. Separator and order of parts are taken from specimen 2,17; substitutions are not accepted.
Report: 4,35
